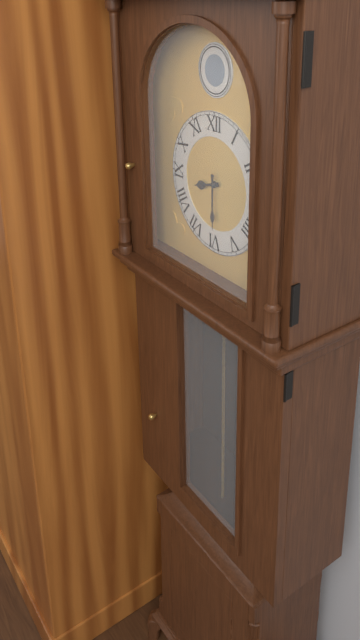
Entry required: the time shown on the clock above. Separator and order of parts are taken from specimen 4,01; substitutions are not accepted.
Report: 8,30
